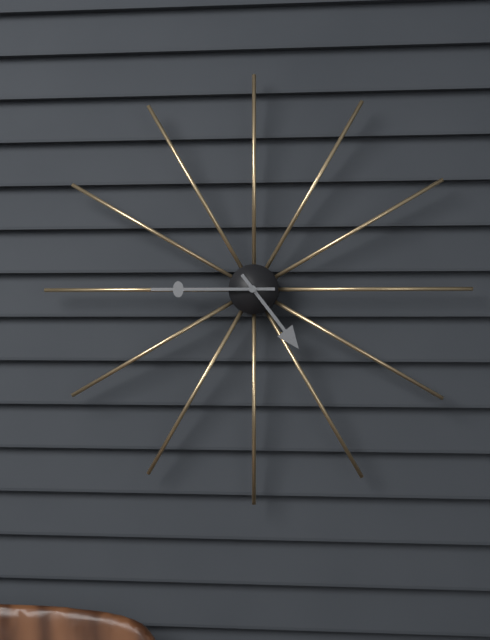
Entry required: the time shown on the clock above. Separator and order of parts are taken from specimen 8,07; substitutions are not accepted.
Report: 4,45
